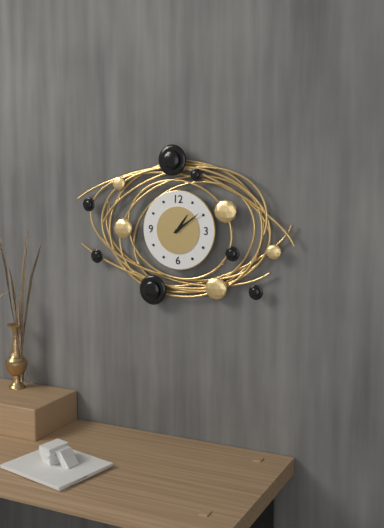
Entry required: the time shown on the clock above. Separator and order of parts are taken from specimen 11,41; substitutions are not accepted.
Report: 1,09
